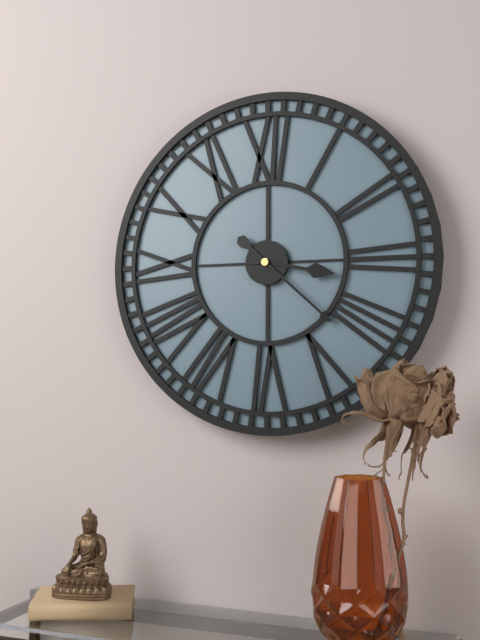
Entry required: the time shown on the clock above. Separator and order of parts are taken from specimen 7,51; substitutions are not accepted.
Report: 3,22
